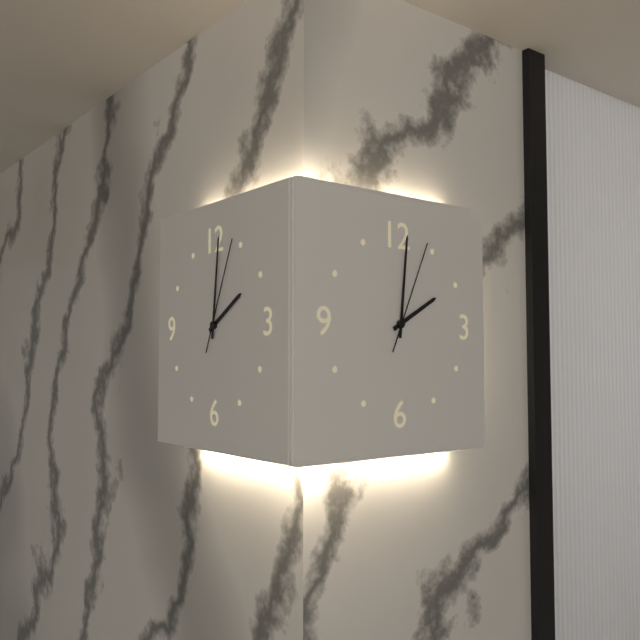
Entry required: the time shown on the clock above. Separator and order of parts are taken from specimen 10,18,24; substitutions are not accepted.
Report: 2,01,04
